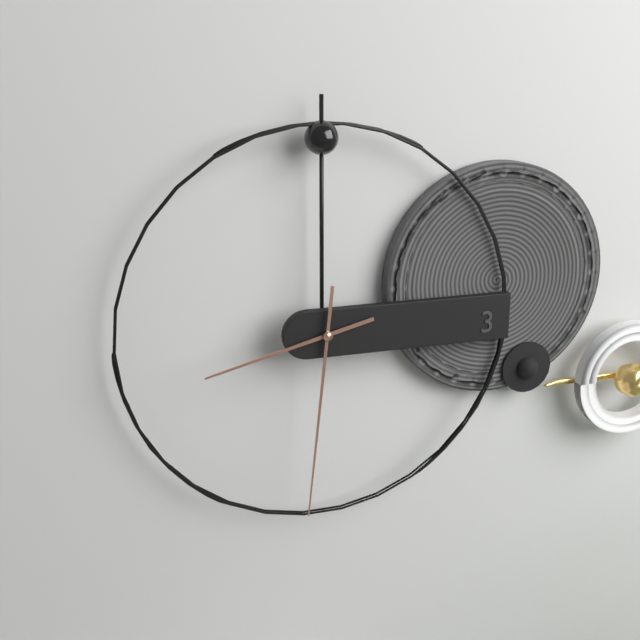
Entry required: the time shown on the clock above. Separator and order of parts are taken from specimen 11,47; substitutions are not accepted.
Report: 8,31
